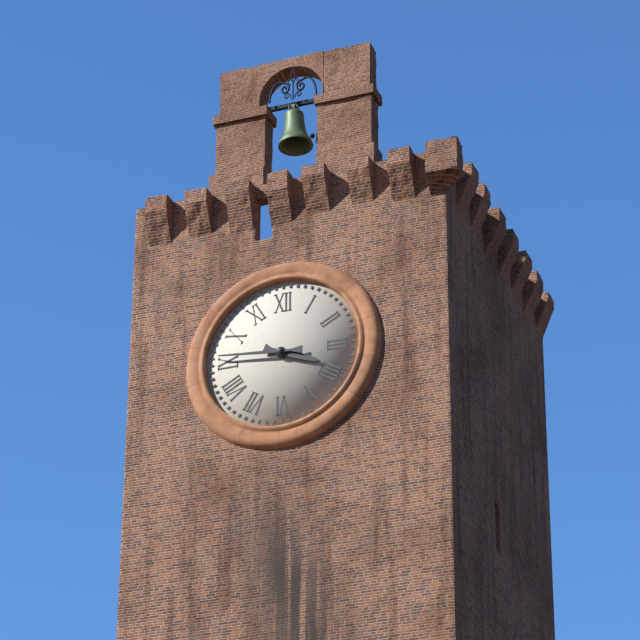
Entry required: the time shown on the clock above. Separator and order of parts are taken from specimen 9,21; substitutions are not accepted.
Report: 3,46
